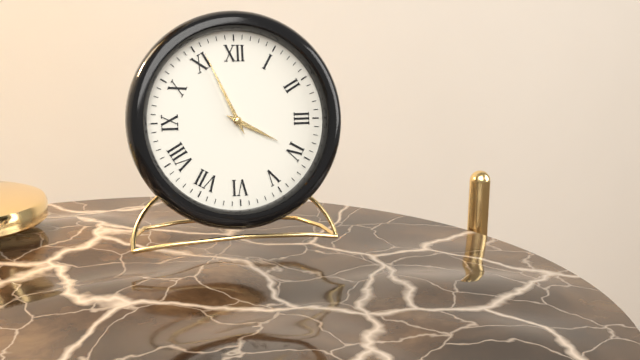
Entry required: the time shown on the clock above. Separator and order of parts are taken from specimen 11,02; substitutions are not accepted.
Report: 3,56
